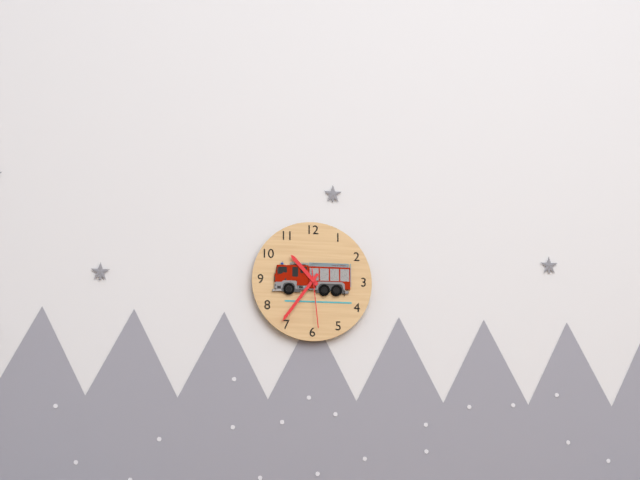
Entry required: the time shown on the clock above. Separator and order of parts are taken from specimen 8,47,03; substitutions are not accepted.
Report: 10,36,29
